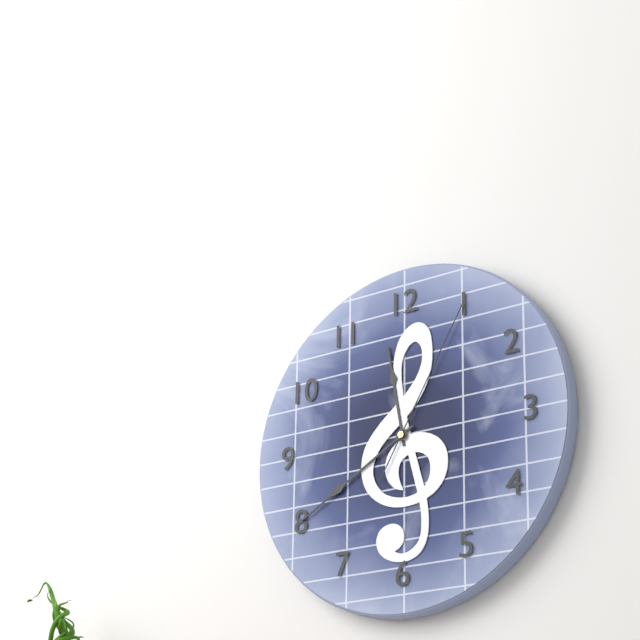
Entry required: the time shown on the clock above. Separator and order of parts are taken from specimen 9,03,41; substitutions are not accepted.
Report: 11,40,05
